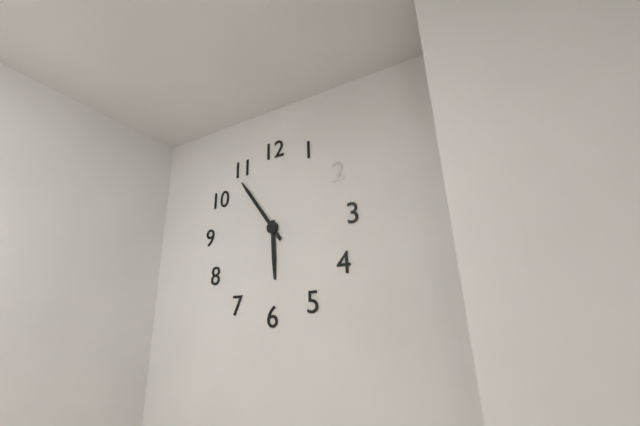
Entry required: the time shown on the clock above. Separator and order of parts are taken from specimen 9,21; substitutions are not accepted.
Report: 5,54
